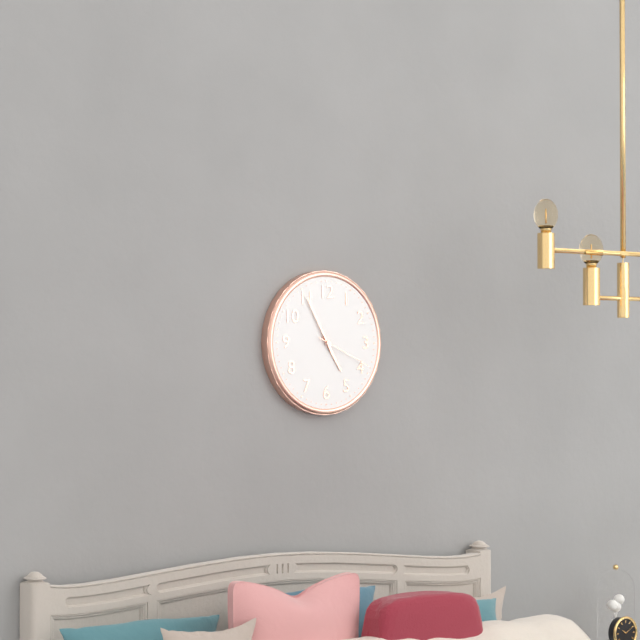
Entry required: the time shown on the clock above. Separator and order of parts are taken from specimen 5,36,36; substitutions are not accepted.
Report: 4,55,19
